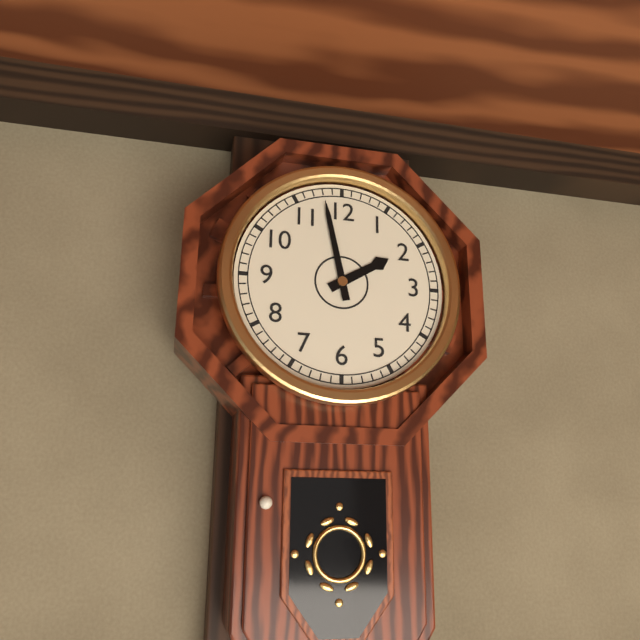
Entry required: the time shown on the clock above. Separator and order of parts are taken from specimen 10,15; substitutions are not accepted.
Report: 1,58
